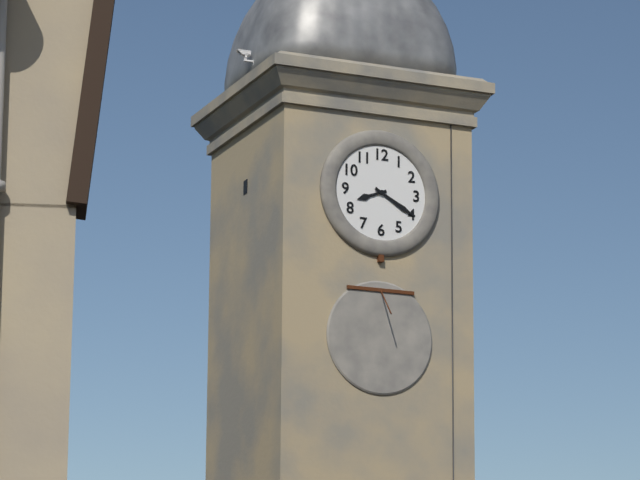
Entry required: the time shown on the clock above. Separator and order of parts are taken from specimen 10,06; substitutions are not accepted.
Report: 8,20
